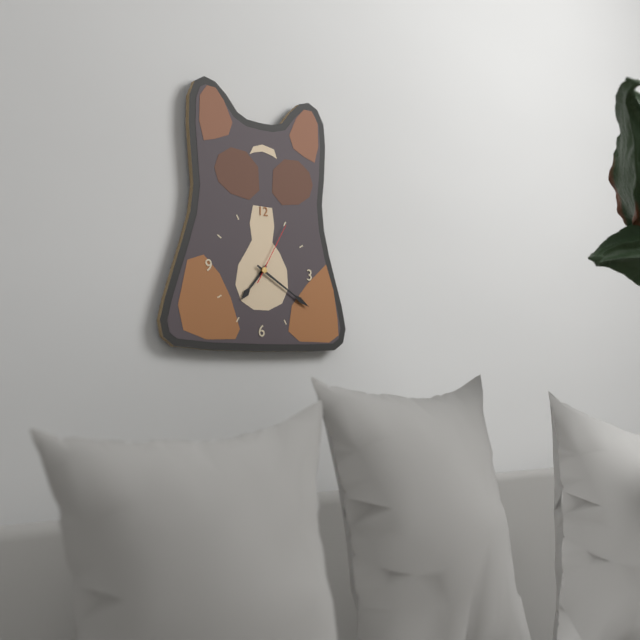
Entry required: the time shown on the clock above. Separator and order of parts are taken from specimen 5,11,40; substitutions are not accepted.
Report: 7,20,05
